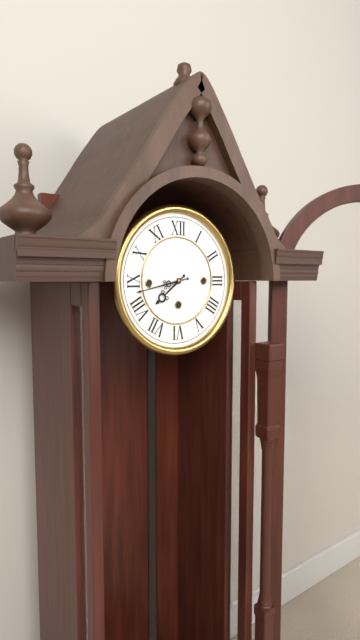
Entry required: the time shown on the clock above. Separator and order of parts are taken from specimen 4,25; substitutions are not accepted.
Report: 7,43
